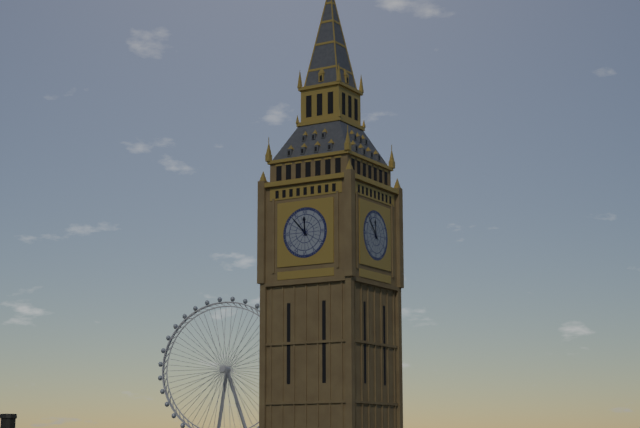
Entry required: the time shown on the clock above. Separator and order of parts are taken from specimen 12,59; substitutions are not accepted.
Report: 11,53
